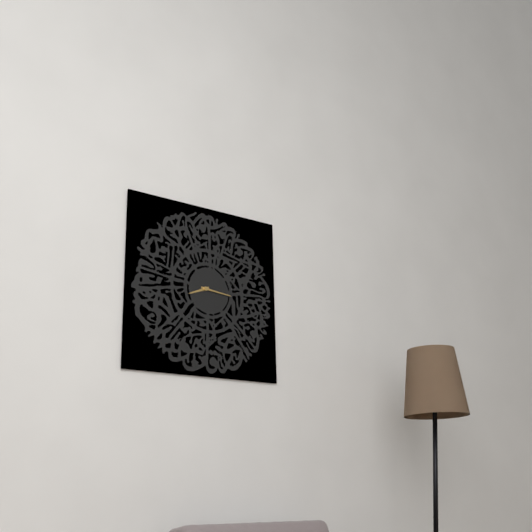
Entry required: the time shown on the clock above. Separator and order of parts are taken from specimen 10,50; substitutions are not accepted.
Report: 8,16
